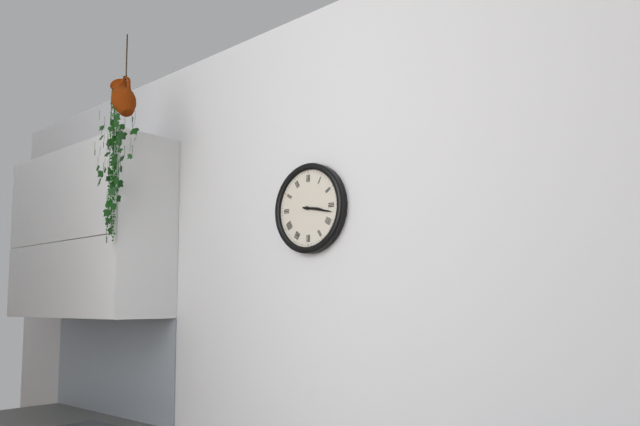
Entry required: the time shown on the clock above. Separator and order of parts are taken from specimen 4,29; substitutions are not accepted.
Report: 3,17
